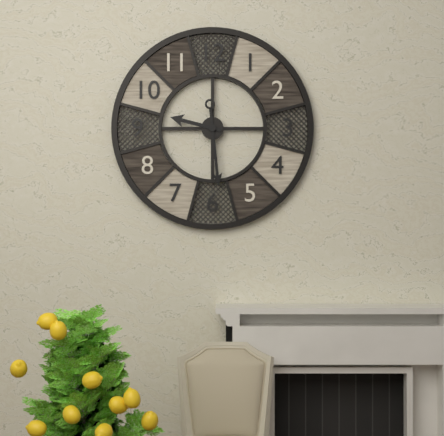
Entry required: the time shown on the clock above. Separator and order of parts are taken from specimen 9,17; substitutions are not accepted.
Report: 9,29
